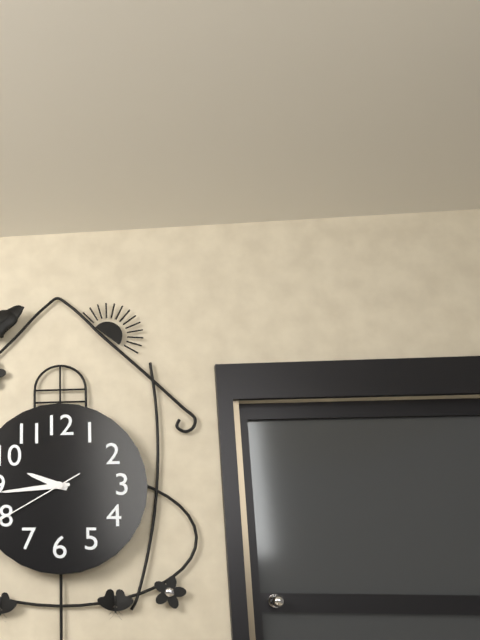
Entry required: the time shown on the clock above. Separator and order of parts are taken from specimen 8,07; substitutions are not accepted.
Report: 9,44
